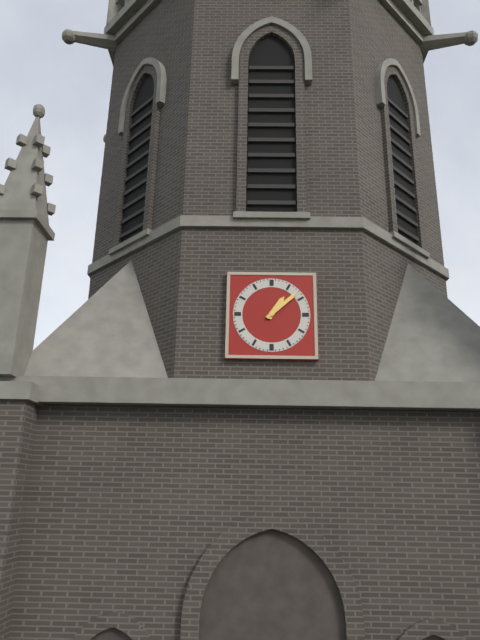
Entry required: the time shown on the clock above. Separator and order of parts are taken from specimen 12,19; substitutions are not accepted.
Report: 1,08
